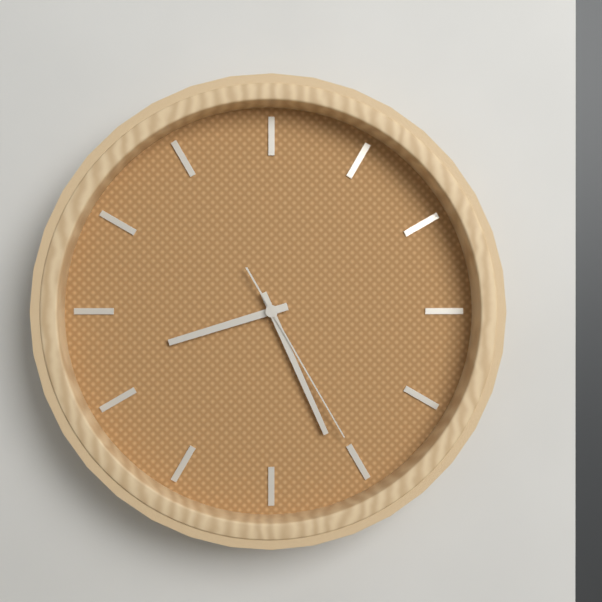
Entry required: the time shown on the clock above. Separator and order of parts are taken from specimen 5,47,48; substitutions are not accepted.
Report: 8,26,25
